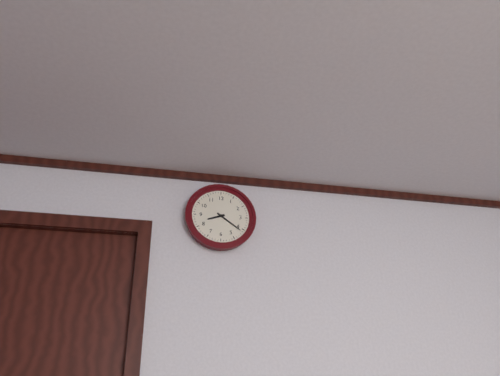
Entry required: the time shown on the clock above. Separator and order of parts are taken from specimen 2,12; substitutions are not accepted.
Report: 8,21
